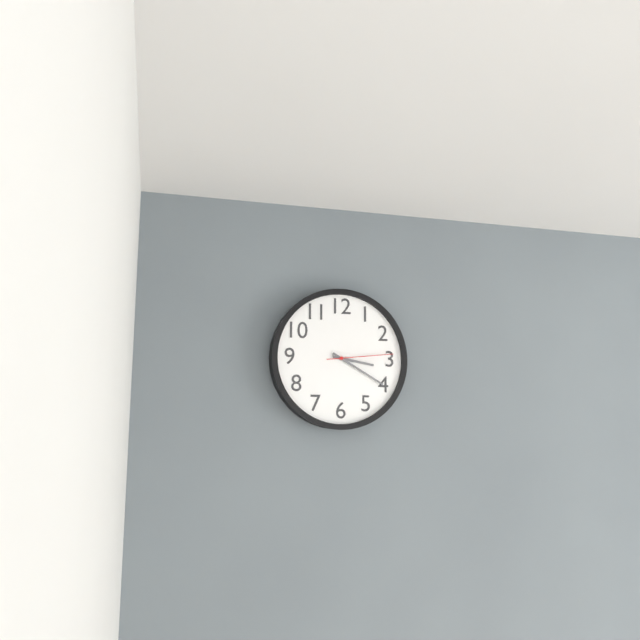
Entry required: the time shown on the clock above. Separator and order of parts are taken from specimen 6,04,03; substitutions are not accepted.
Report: 3,20,14
